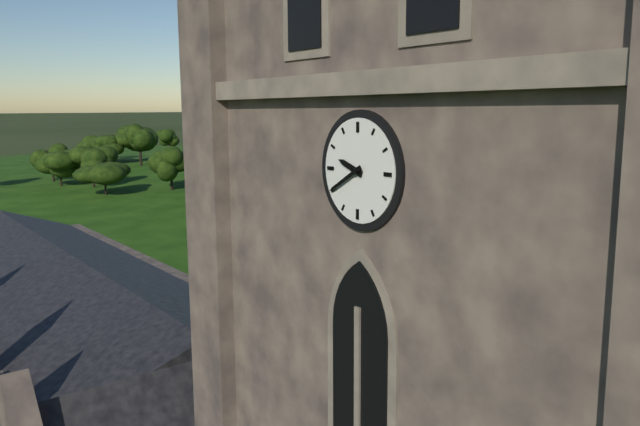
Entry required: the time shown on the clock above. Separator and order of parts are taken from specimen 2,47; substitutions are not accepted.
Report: 9,40
